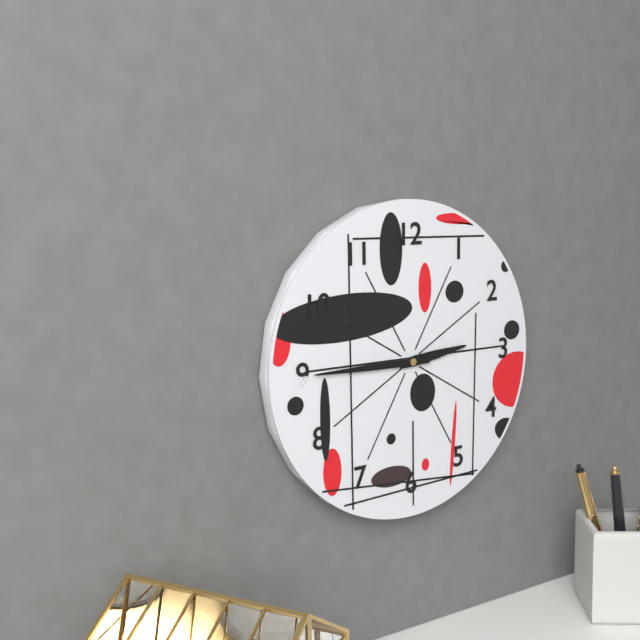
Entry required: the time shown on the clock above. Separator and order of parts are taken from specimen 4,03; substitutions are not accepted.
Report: 2,45
